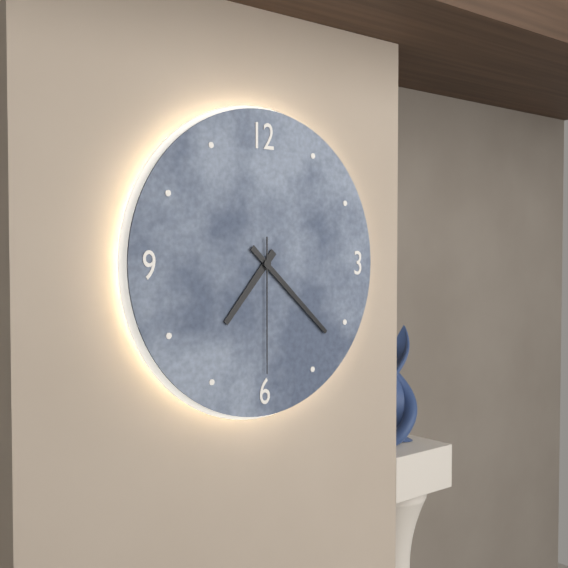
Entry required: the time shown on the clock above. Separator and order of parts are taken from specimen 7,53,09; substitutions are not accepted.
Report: 7,22,30
